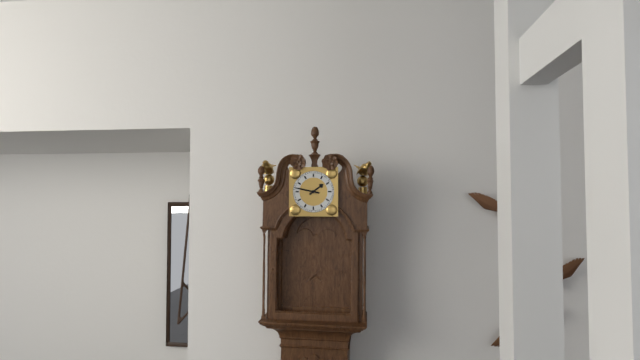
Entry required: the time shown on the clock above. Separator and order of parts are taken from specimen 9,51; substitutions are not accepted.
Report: 1,47
